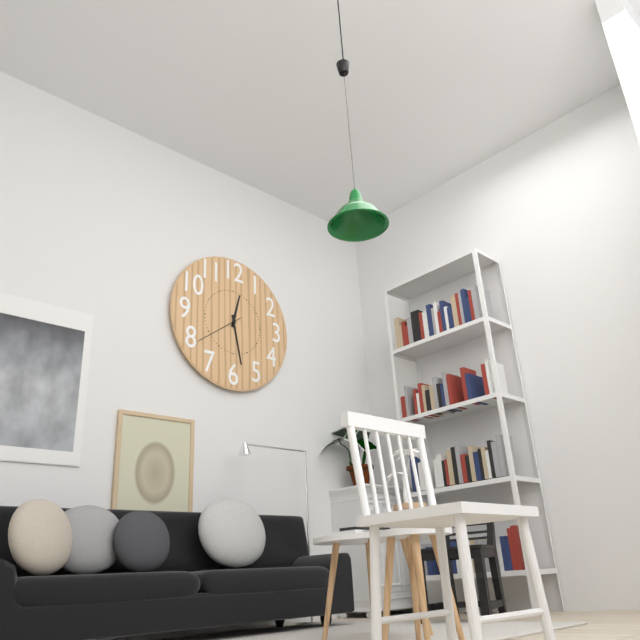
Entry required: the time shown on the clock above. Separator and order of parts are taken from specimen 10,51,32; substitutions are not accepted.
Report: 12,28,39
